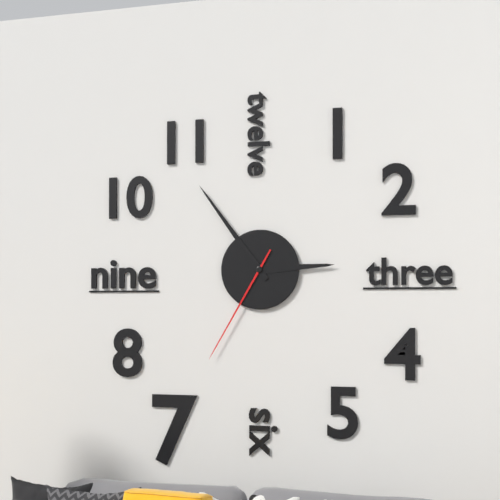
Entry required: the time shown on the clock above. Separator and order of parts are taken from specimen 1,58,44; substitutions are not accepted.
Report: 2,54,35
